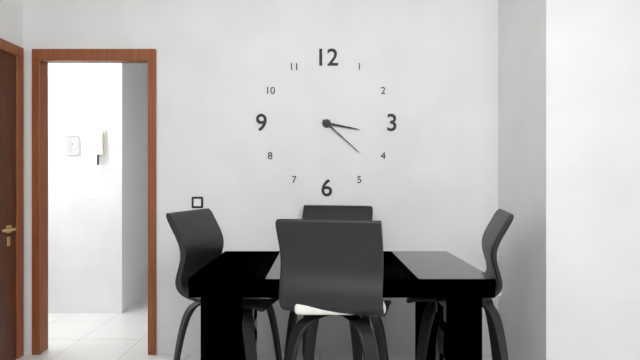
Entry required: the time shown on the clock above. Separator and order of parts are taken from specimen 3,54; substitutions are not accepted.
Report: 3,22
